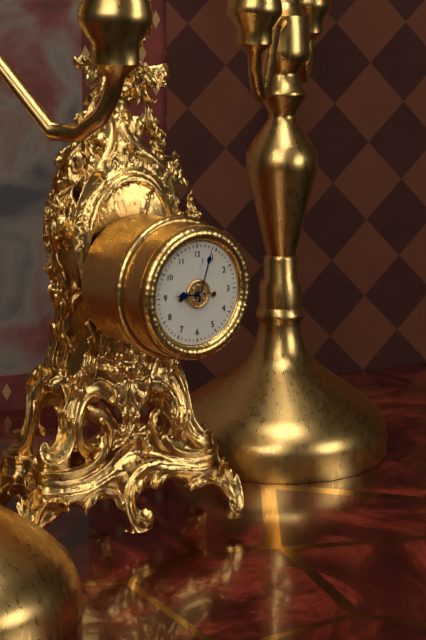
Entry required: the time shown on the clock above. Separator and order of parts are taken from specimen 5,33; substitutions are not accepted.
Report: 9,03
